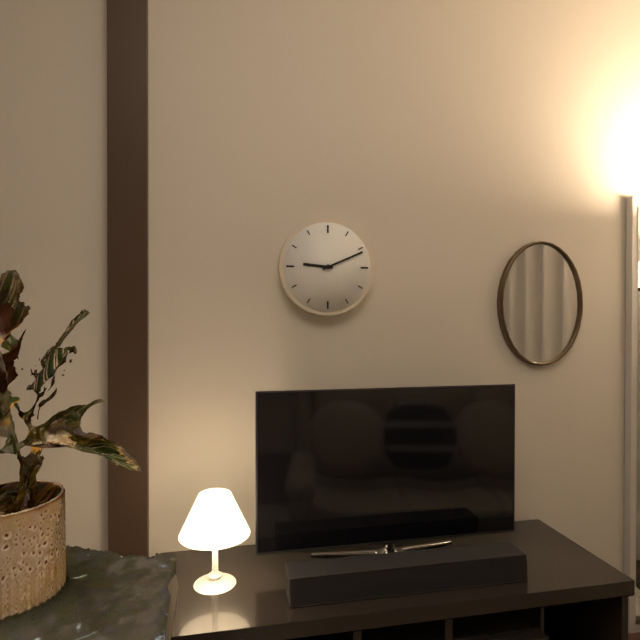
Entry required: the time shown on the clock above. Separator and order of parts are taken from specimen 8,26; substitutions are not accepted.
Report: 9,11
